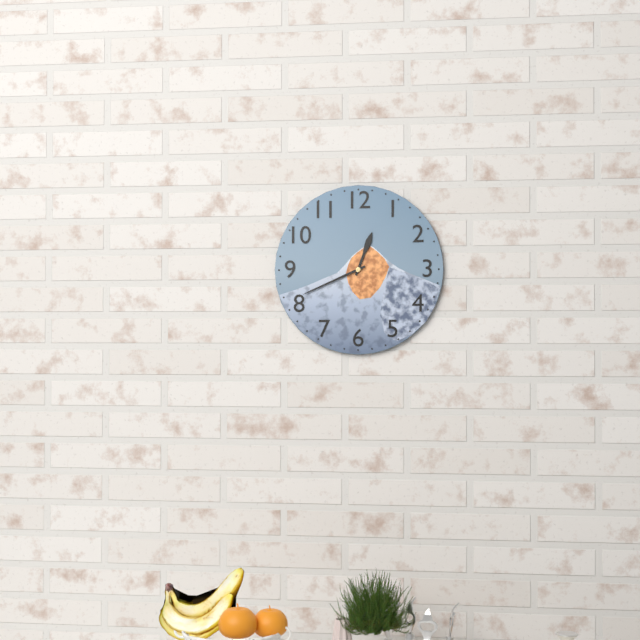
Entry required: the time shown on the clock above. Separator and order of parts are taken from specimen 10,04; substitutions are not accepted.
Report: 12,41
